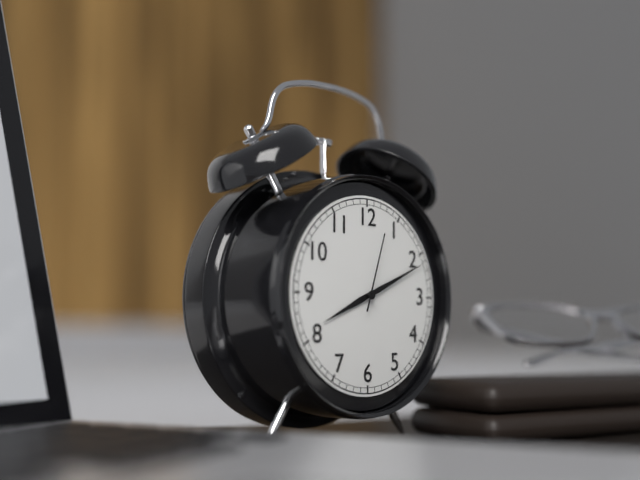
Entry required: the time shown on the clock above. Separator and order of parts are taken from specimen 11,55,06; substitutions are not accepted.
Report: 8,11,03
